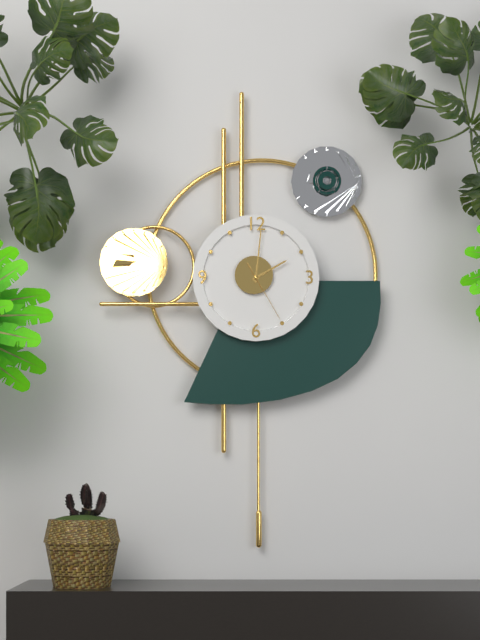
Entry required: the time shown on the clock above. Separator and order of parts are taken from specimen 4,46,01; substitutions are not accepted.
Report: 2,01,25
